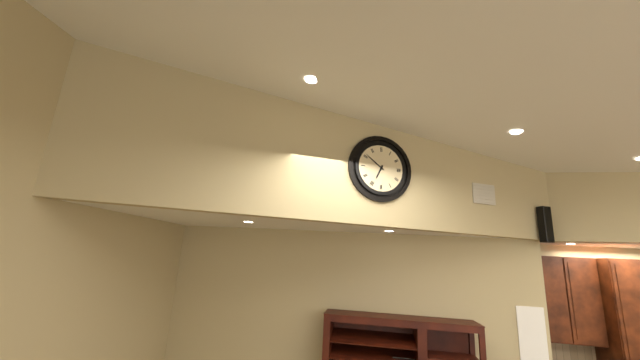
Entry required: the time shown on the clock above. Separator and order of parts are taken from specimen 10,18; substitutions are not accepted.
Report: 6,51
